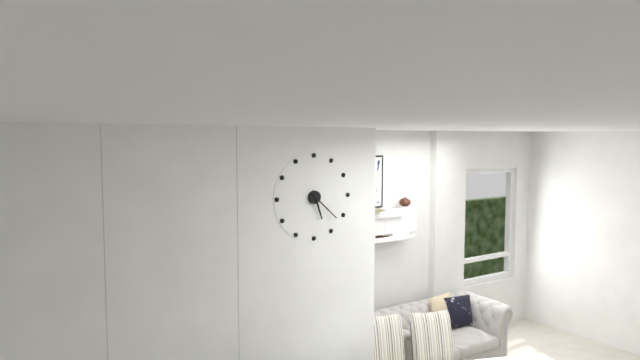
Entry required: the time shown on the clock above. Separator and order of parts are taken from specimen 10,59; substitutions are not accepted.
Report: 5,22
